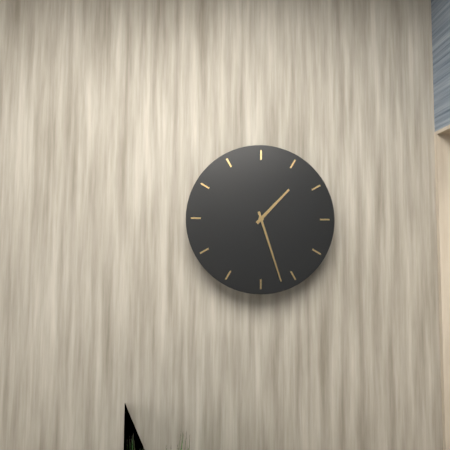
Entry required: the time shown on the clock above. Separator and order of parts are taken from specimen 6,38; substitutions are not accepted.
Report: 1,27
